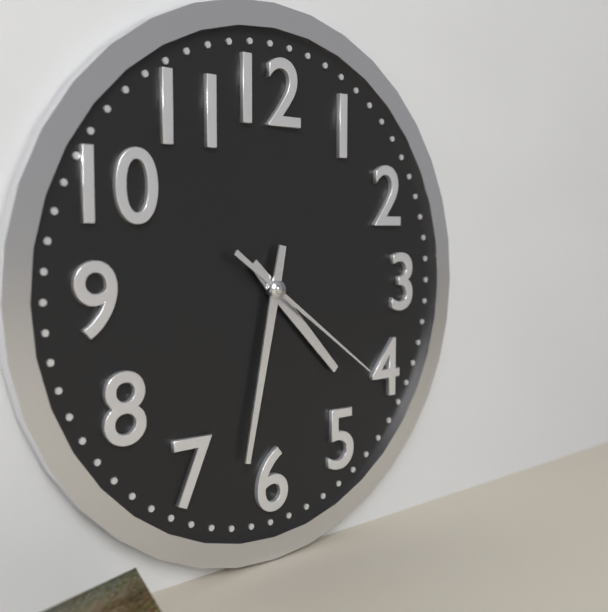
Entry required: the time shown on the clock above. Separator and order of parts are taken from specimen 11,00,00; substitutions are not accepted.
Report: 4,32,21
